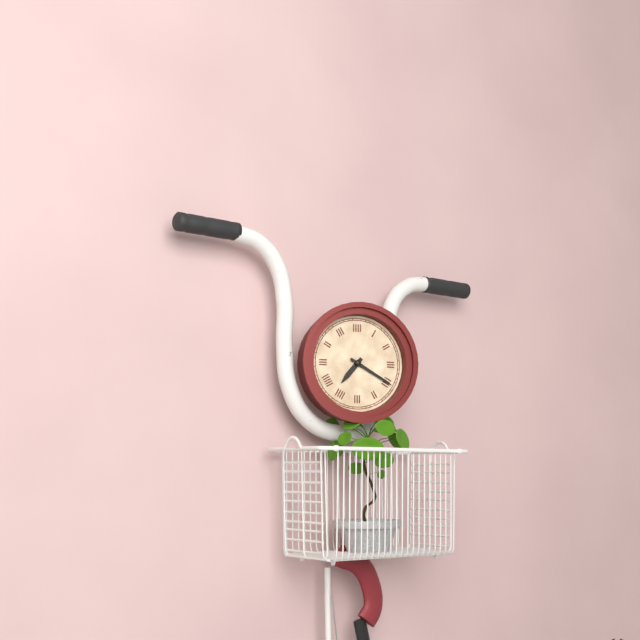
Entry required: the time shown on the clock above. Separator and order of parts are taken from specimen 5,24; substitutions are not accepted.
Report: 7,20
